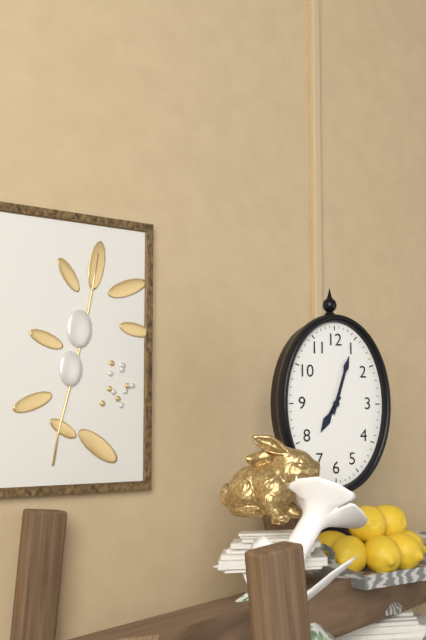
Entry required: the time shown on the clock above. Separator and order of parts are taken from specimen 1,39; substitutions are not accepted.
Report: 7,03
